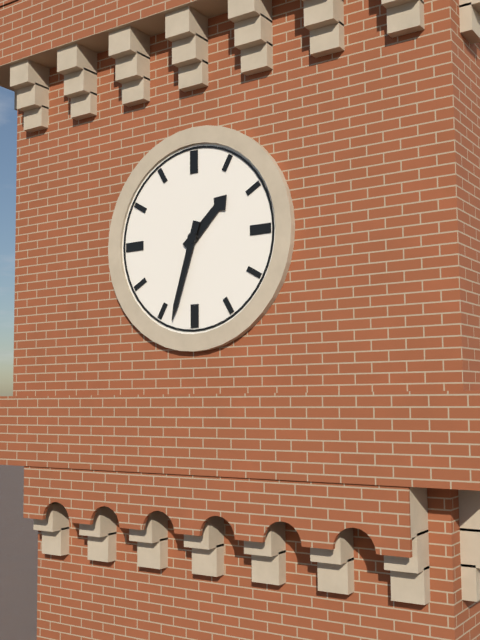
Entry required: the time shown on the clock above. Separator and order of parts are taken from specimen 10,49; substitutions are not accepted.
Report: 1,33
